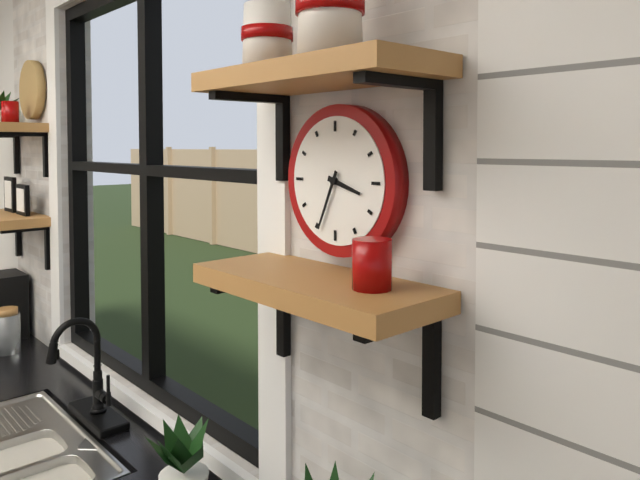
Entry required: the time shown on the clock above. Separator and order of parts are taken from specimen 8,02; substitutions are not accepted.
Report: 3,34
